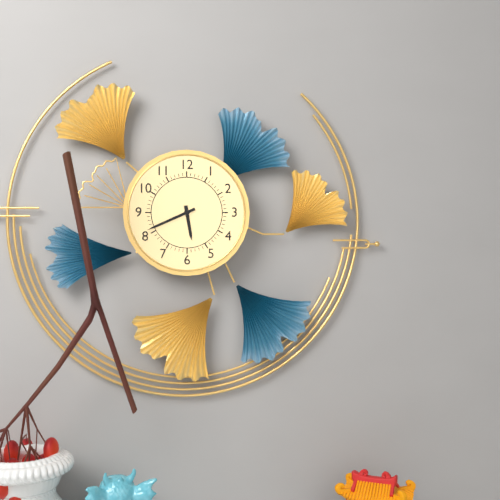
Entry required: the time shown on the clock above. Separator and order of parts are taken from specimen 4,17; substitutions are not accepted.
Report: 5,41
